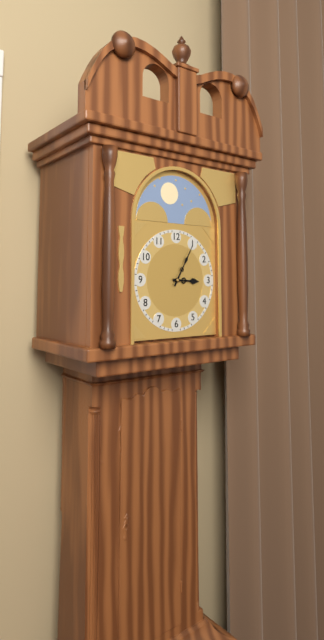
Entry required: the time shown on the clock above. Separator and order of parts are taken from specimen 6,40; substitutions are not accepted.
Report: 3,05
